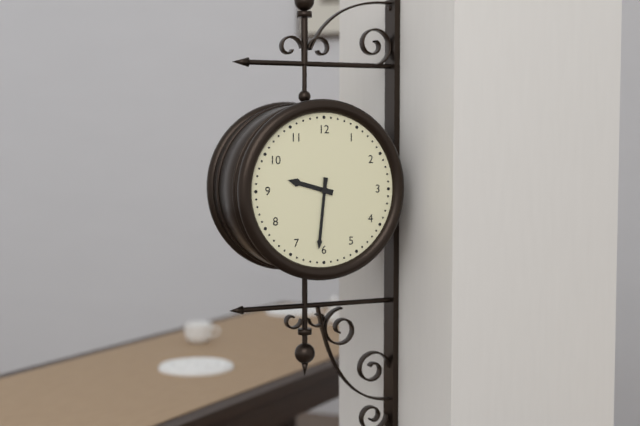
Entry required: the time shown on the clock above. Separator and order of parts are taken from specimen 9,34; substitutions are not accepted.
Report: 9,31
